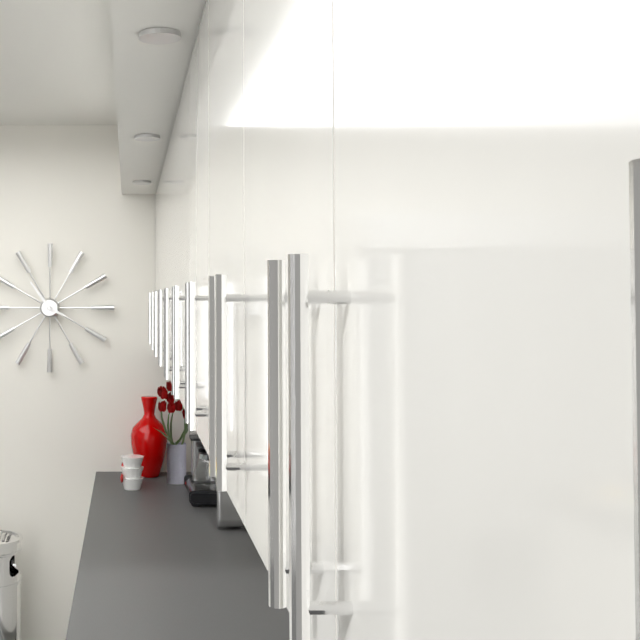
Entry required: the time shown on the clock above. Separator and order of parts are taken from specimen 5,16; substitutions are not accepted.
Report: 3,54
